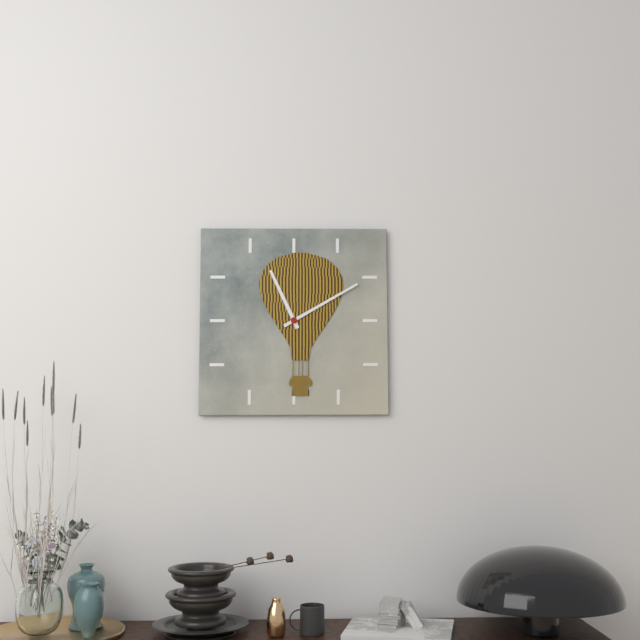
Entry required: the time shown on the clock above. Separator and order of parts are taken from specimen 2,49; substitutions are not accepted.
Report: 11,10
